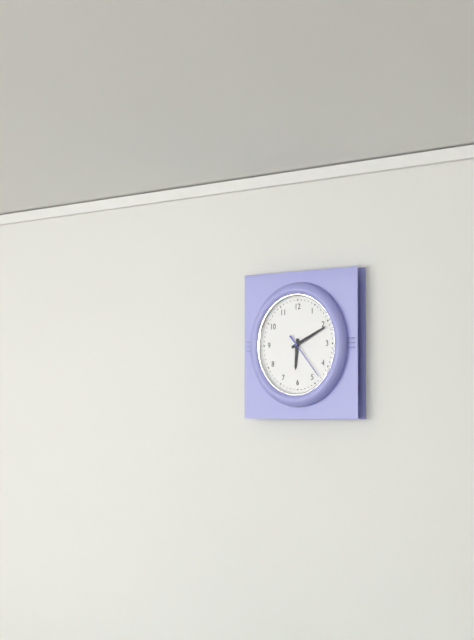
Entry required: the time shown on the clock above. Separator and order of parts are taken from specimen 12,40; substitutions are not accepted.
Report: 6,11
